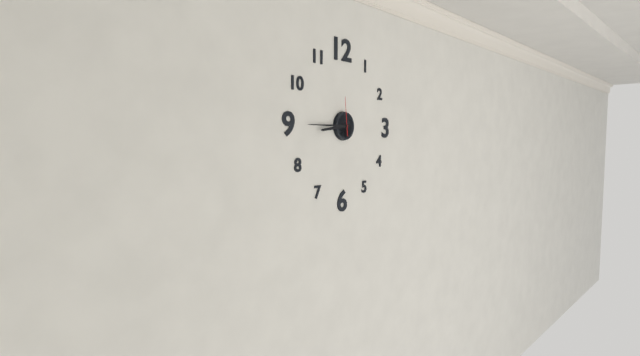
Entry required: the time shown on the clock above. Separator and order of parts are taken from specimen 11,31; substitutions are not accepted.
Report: 8,45
